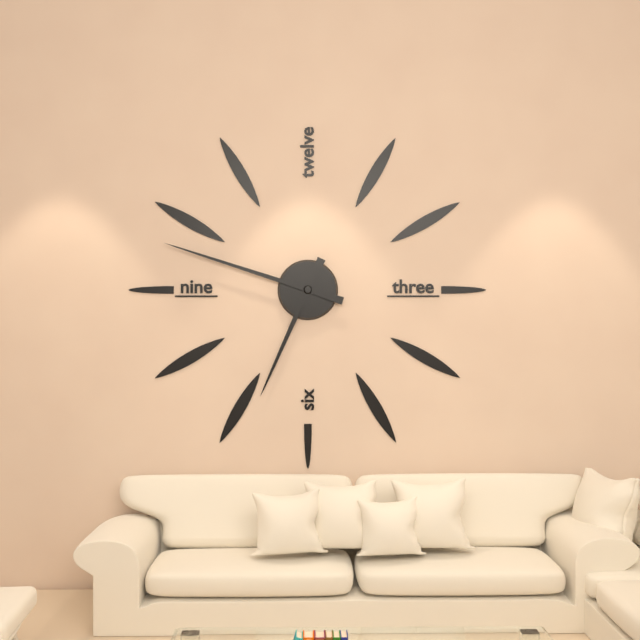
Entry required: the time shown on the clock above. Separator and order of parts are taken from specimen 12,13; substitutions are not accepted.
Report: 6,48
